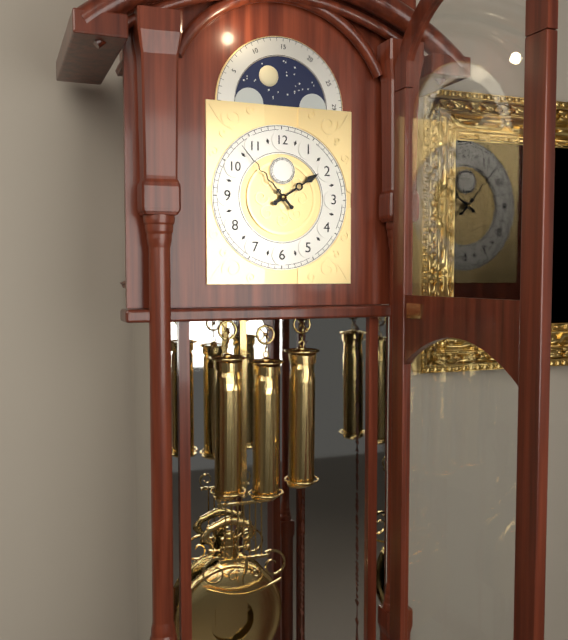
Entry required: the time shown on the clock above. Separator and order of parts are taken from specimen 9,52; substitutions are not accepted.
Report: 1,53
